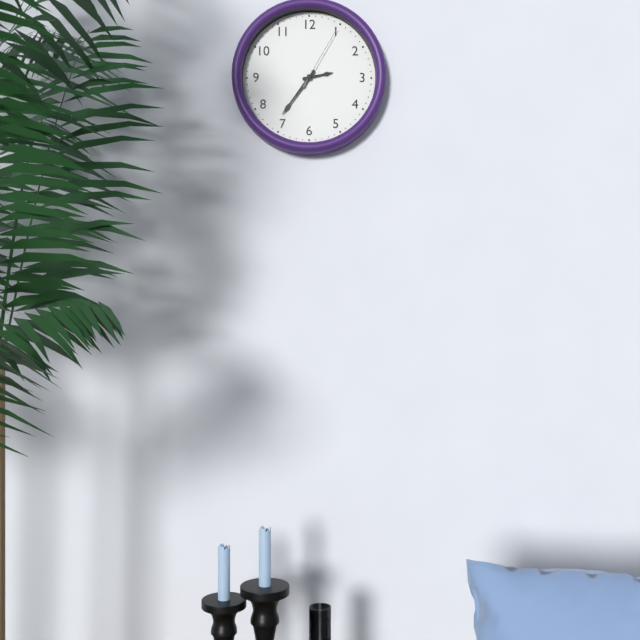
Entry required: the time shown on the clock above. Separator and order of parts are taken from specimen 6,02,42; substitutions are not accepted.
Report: 2,36,05
